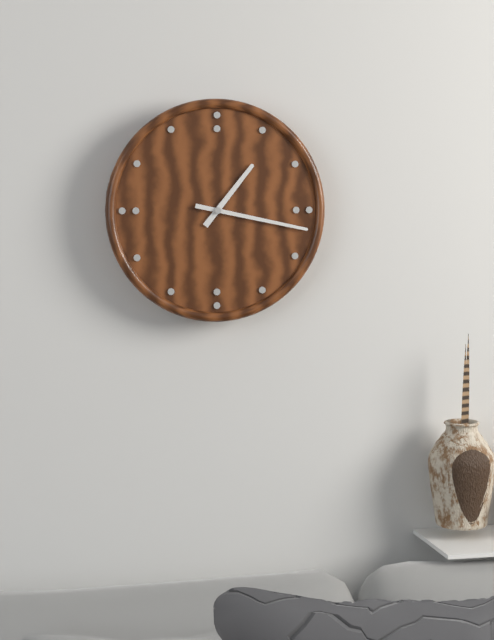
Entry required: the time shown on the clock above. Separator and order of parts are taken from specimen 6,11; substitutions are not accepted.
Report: 1,17
